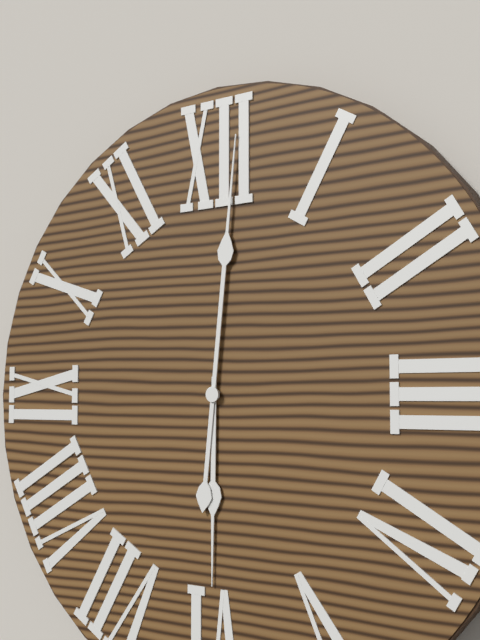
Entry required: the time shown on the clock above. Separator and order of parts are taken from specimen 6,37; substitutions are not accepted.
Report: 6,01
